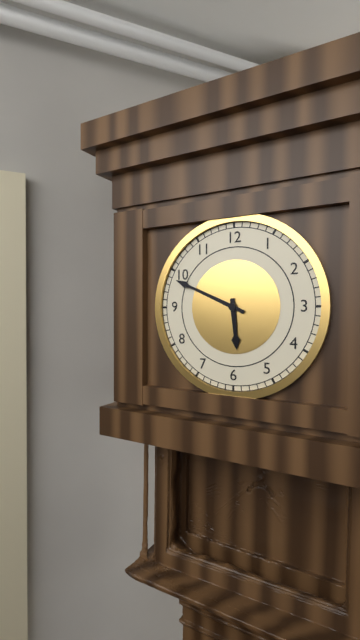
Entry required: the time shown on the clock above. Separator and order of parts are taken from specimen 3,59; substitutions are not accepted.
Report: 5,49
